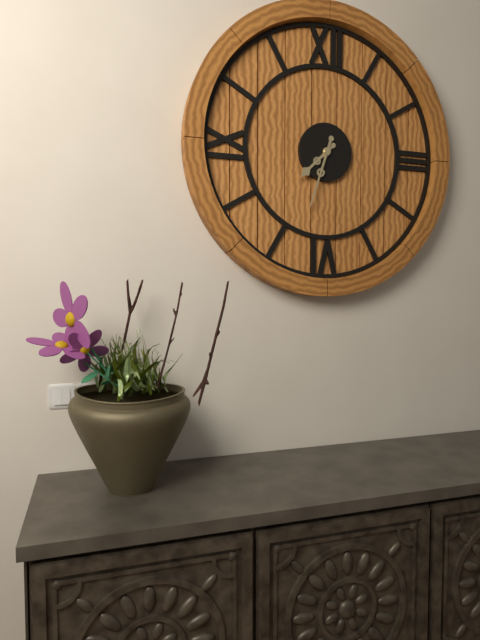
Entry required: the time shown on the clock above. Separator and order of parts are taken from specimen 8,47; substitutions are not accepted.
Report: 7,33
